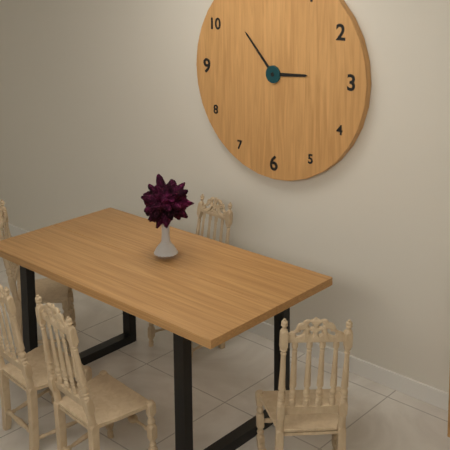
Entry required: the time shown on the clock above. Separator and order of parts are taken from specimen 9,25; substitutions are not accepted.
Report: 2,53
